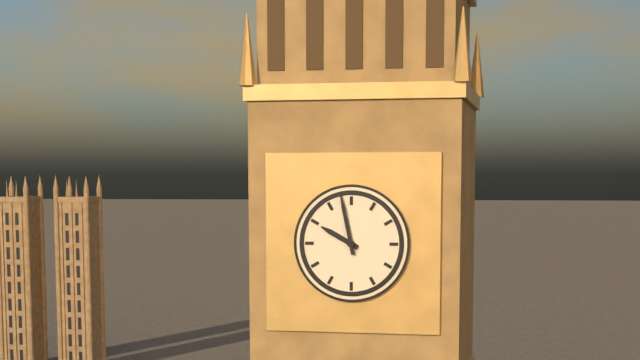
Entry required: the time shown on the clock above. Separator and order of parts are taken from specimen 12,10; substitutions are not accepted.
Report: 9,58
